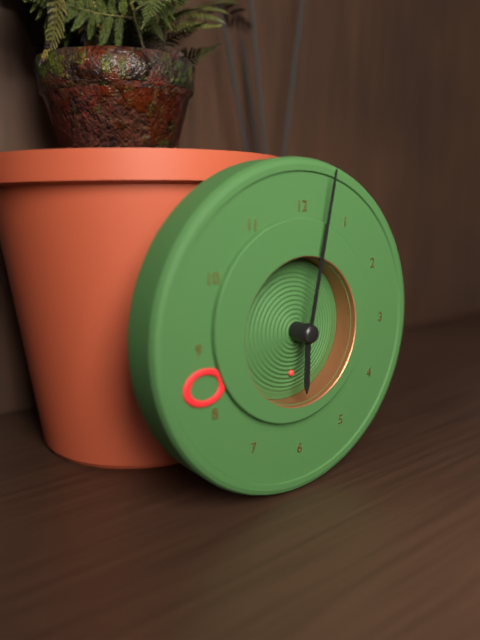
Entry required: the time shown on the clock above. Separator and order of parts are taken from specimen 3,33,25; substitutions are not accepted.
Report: 6,02,30
